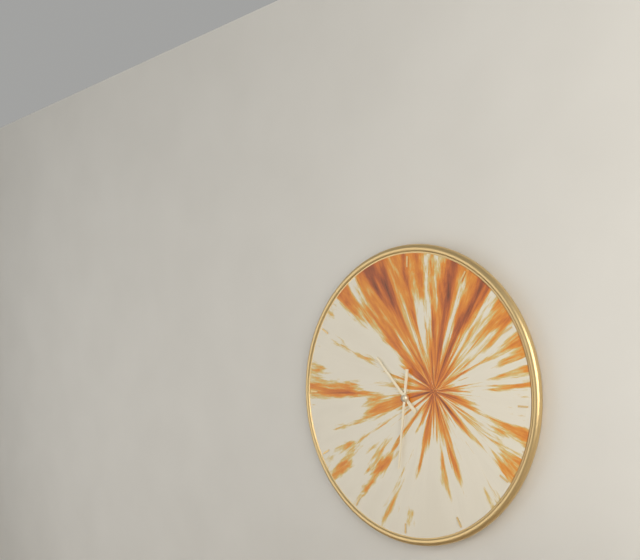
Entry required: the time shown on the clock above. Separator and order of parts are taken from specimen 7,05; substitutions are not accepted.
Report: 10,31
